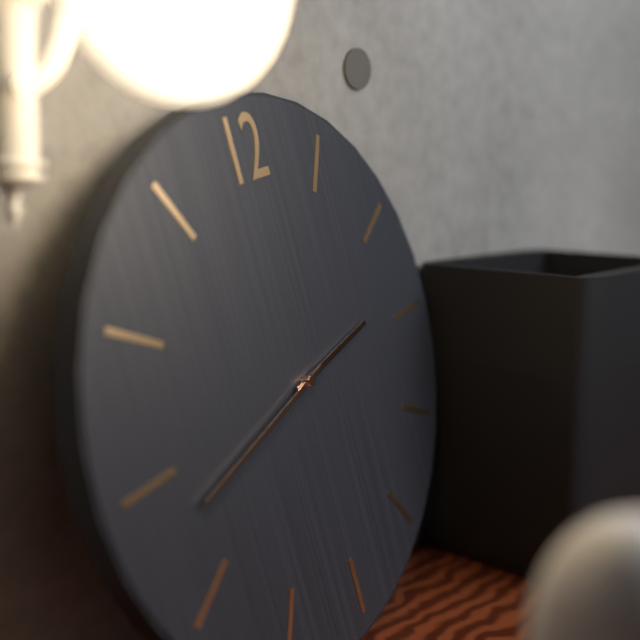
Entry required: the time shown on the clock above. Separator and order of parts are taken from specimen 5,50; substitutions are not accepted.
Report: 2,43
